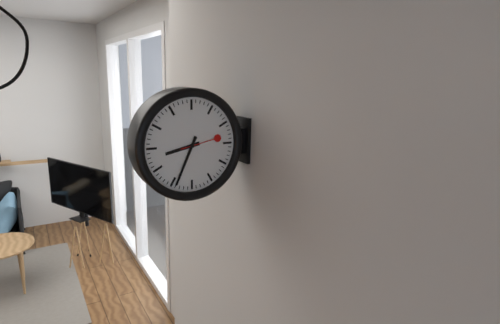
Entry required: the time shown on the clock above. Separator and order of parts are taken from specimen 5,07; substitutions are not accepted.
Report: 8,34
